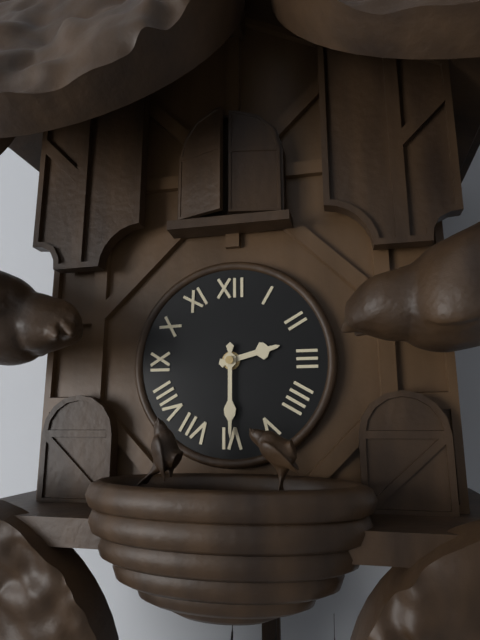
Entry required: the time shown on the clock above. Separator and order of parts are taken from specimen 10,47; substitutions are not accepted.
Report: 2,30
